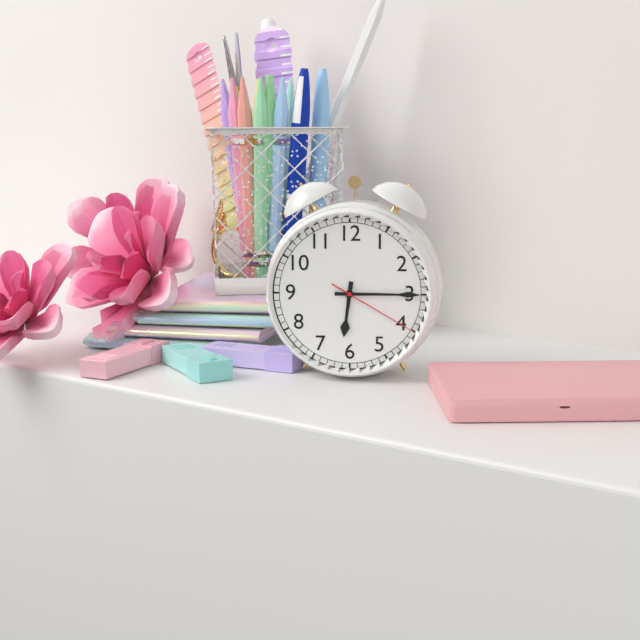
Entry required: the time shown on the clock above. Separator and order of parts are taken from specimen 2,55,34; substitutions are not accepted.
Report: 6,15,20
